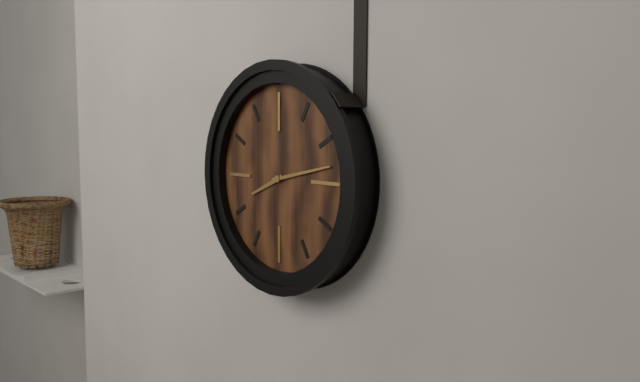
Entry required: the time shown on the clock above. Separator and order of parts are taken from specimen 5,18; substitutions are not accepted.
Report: 8,13
